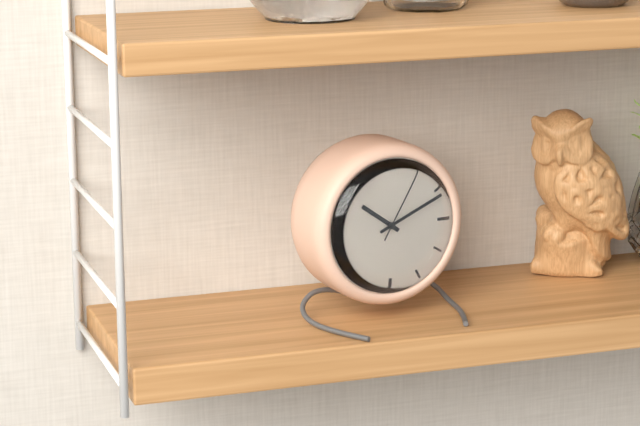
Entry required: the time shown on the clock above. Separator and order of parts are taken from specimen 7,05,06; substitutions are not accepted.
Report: 10,11,05
